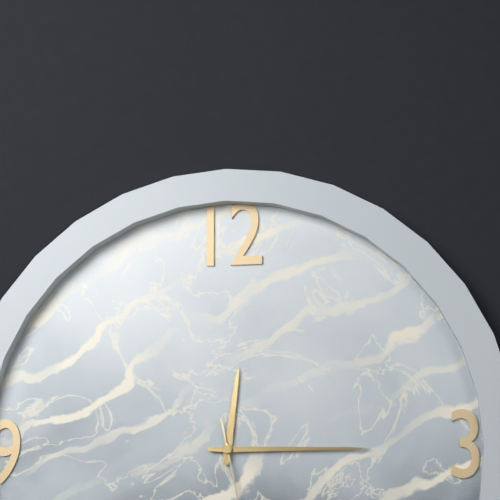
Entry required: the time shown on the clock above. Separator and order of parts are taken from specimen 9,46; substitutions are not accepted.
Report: 12,15
